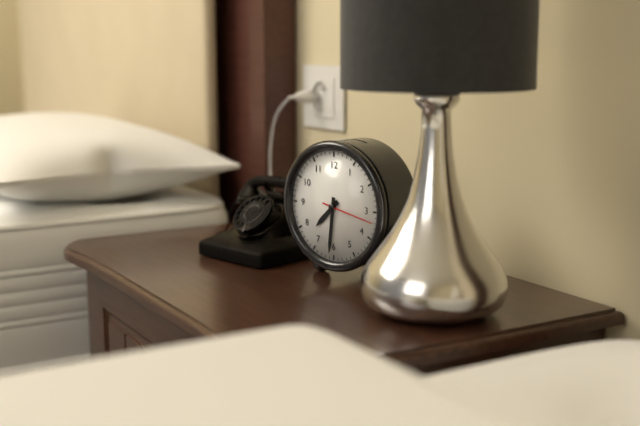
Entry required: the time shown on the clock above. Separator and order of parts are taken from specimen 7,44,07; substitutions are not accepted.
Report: 7,31,17
